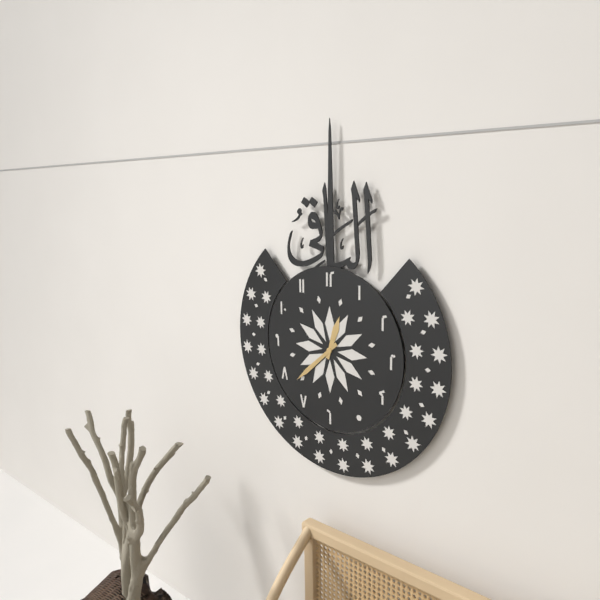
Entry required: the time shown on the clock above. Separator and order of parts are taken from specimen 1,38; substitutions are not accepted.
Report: 12,38
